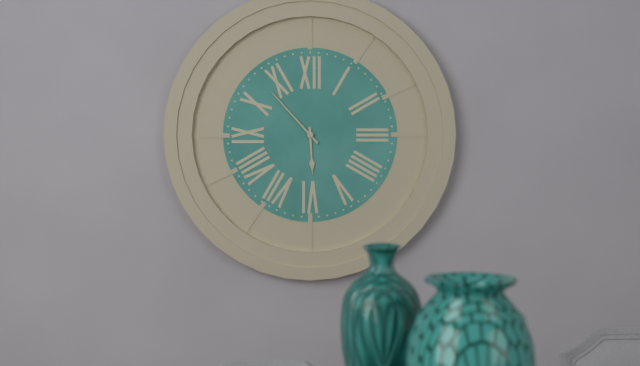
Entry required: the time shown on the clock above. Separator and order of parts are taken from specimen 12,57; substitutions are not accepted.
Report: 5,53
